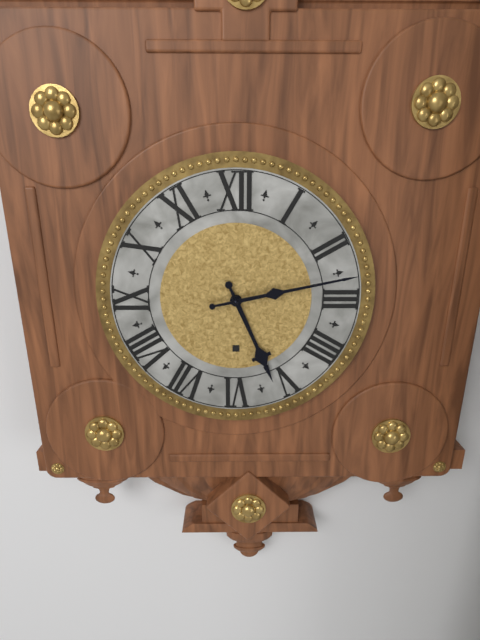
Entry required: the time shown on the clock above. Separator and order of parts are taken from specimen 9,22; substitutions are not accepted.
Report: 5,13
